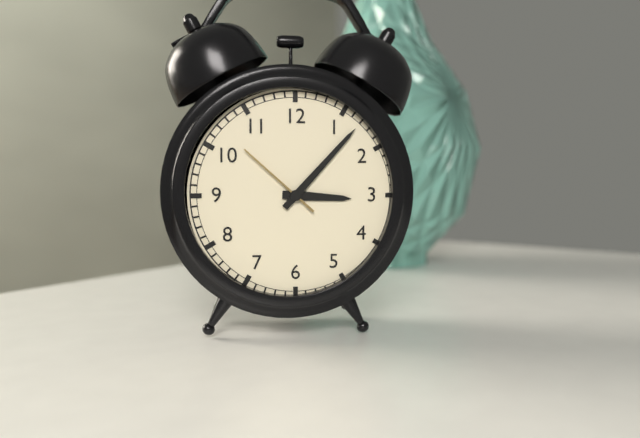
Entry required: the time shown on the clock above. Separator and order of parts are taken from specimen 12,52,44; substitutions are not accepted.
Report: 3,07,52
